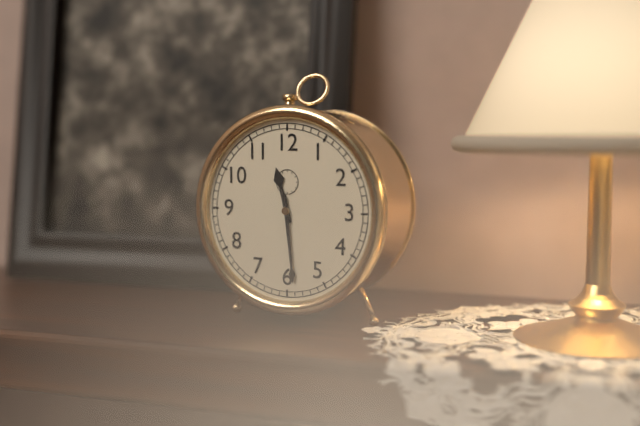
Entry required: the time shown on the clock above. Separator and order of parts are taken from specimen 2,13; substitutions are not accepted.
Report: 11,29
